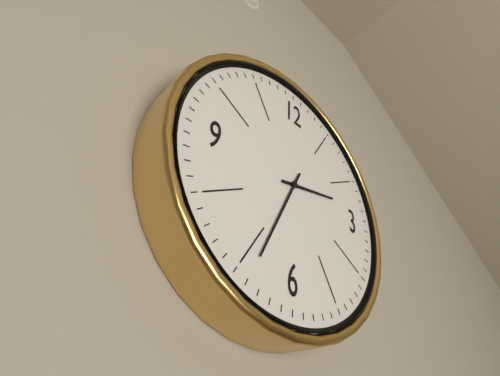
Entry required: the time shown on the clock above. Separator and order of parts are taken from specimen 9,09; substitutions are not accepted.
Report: 2,34
